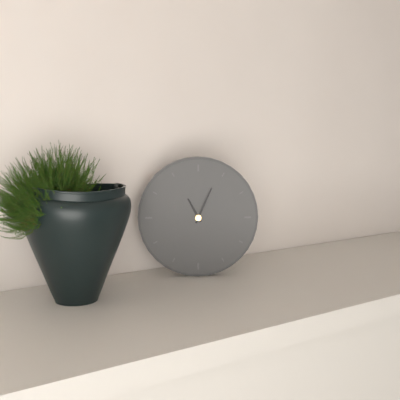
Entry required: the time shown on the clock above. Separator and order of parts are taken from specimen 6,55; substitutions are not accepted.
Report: 11,04
